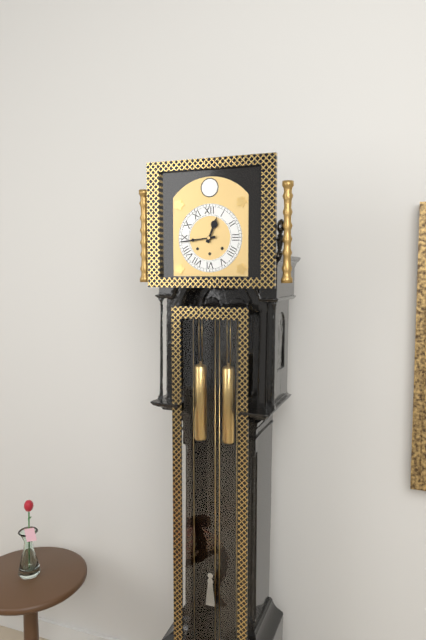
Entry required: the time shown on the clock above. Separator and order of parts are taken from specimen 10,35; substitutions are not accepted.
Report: 12,44
